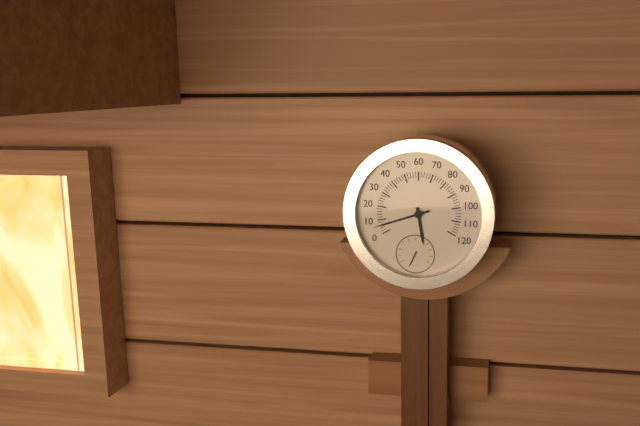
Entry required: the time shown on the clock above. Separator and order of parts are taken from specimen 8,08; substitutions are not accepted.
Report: 5,42
